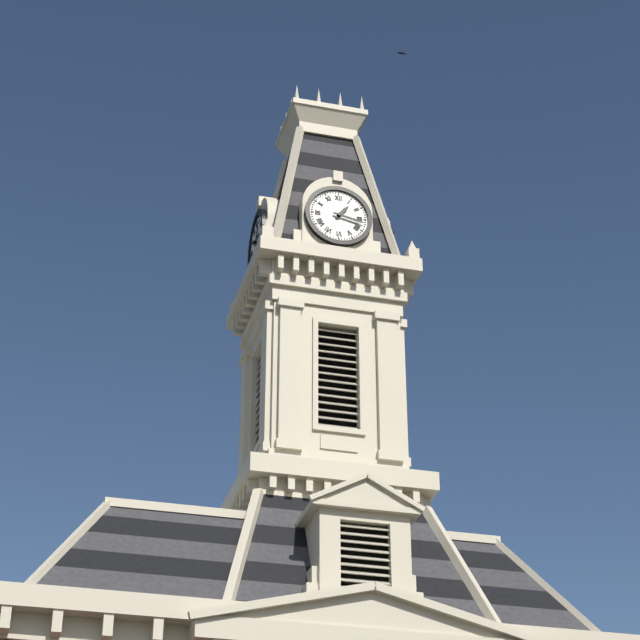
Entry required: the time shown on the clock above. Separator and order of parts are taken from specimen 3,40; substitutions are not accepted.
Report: 1,17
